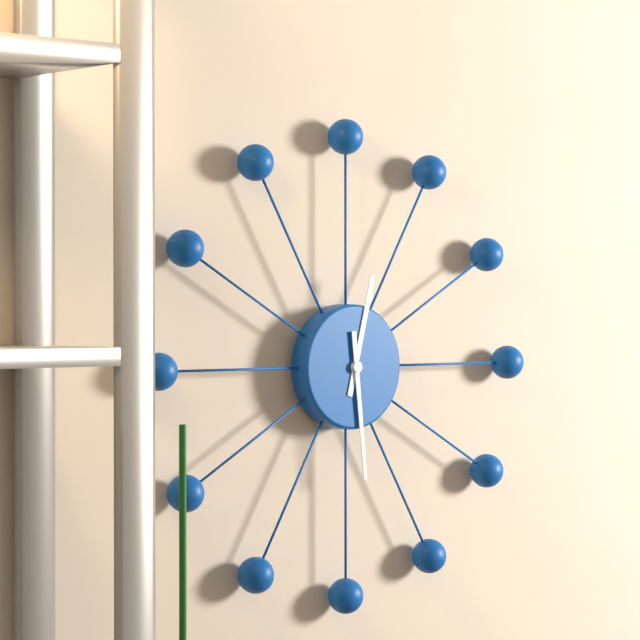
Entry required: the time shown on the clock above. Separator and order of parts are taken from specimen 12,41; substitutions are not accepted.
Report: 12,29
